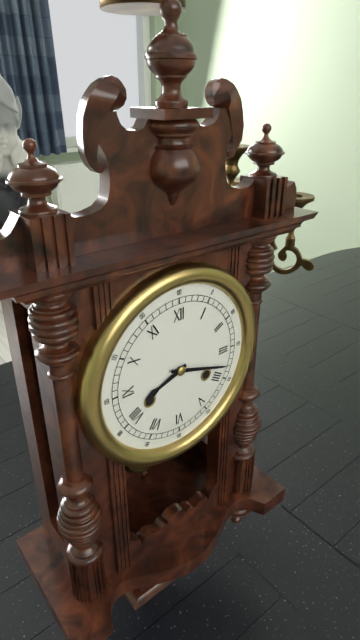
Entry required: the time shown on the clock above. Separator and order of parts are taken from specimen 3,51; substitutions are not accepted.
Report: 8,18
